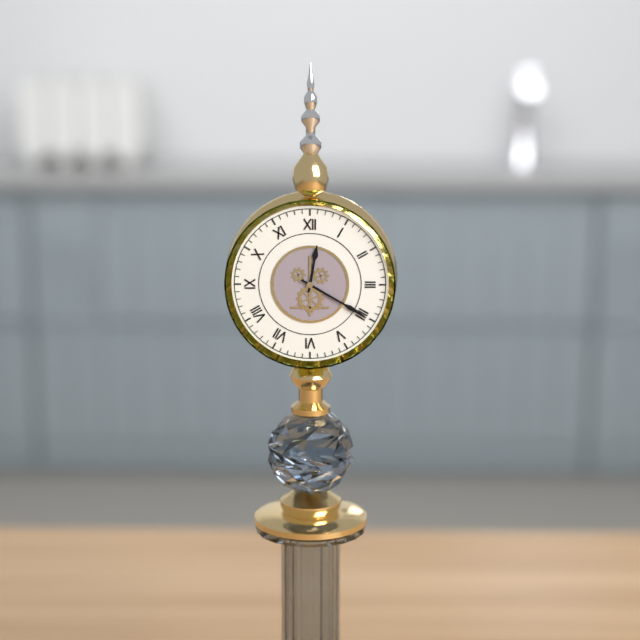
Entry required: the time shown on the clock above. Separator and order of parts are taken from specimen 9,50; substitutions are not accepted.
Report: 12,20
